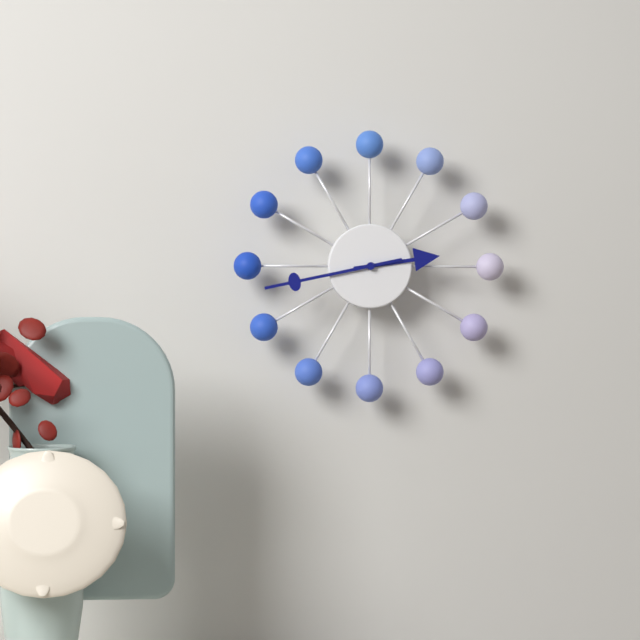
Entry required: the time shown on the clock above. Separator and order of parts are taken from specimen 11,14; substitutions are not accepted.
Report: 2,43
